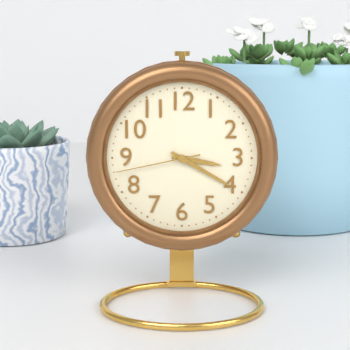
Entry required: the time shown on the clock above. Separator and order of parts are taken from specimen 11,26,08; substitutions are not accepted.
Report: 3,20,43
